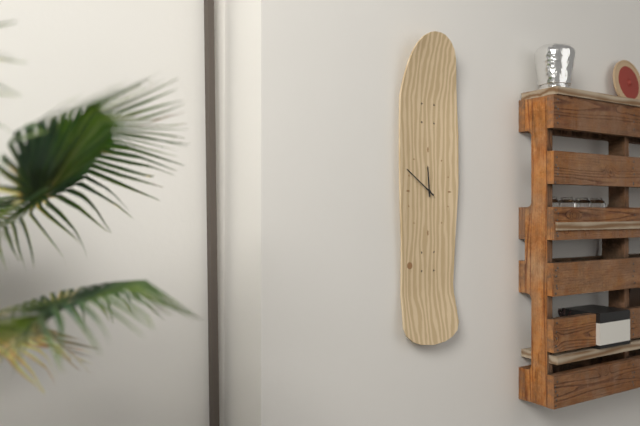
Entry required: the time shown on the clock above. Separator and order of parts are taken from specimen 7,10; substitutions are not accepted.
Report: 11,51
